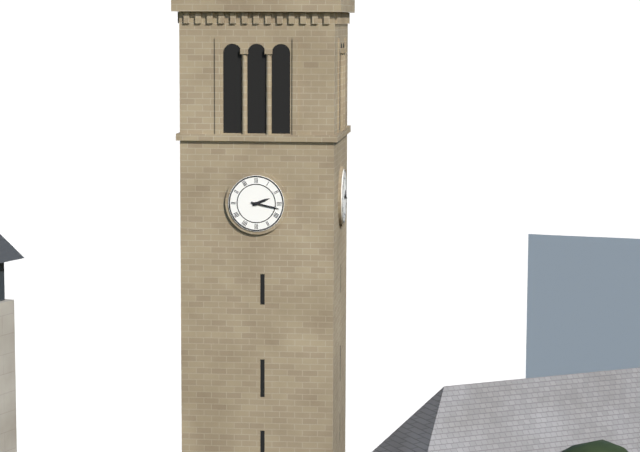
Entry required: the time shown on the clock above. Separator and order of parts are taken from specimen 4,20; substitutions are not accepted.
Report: 2,17
